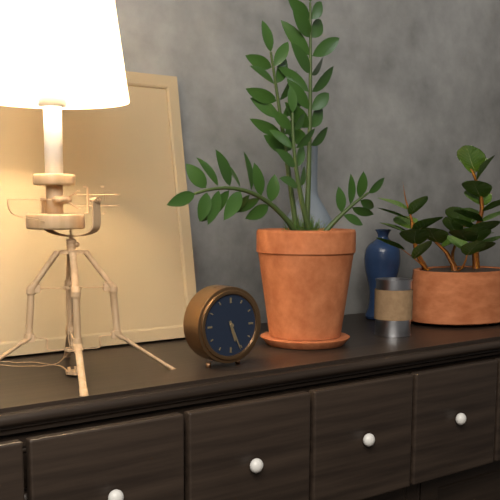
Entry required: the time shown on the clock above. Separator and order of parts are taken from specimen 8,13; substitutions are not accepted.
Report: 5,26
